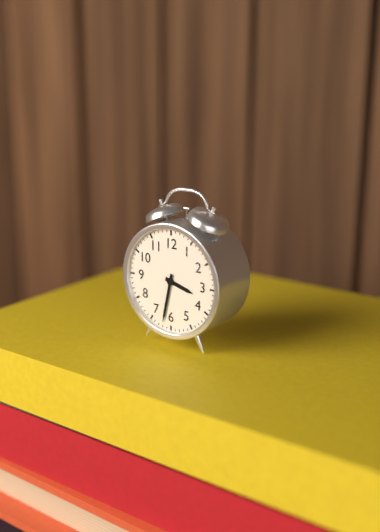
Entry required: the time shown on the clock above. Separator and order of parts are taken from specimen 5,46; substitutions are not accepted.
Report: 3,32
